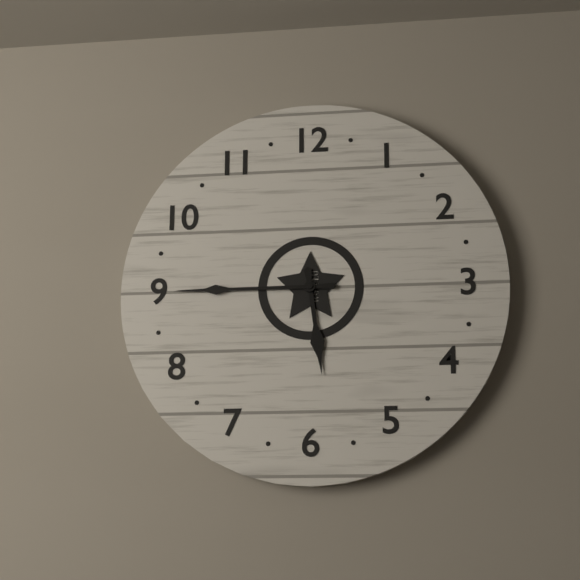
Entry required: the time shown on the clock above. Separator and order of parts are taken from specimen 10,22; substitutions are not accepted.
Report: 5,45
